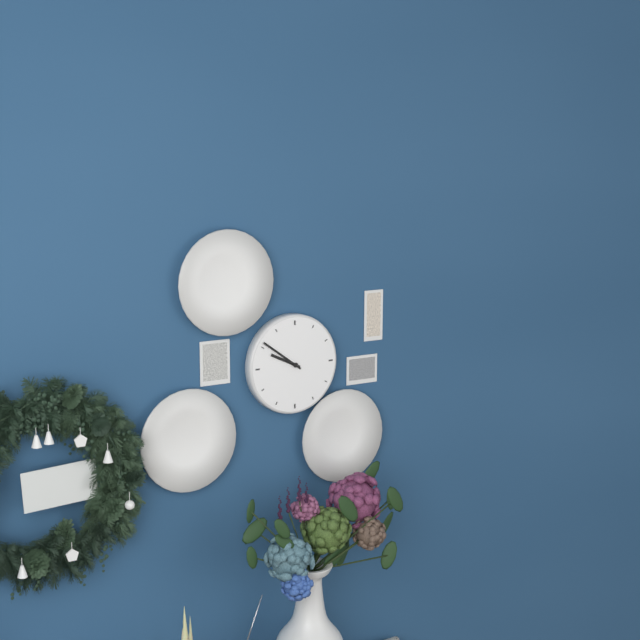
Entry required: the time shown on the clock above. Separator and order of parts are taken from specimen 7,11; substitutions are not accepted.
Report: 9,51
